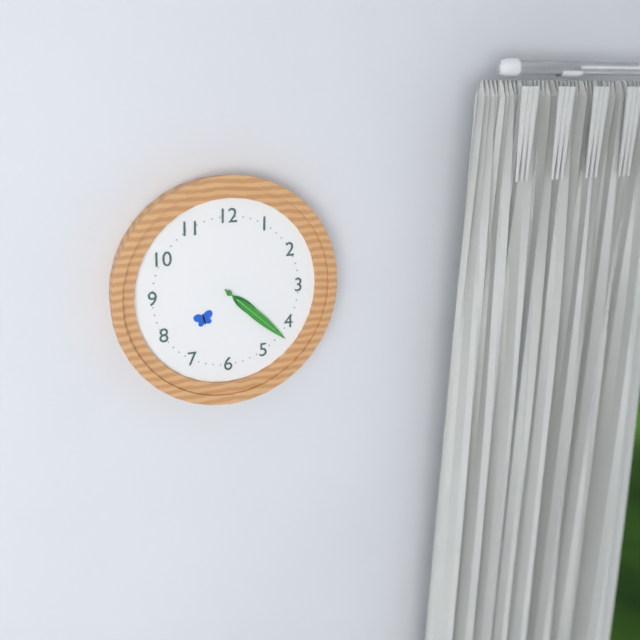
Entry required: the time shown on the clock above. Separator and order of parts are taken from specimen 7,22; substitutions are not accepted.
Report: 4,22
